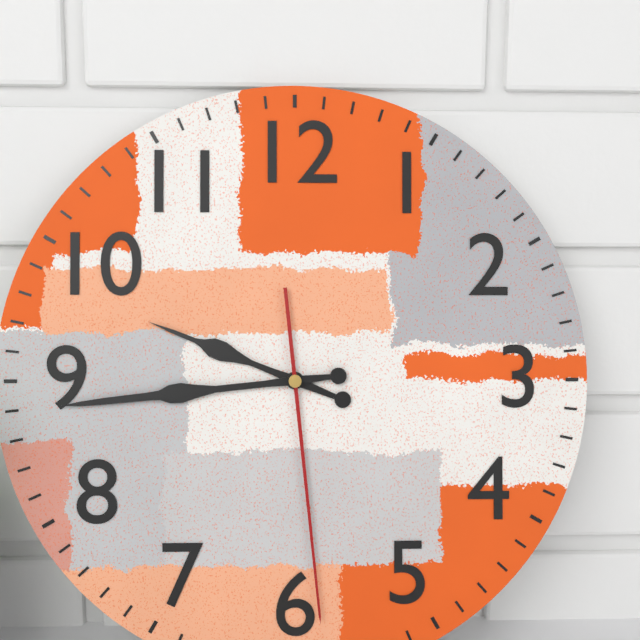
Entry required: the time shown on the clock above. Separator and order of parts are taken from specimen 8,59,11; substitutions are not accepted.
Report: 9,44,29
